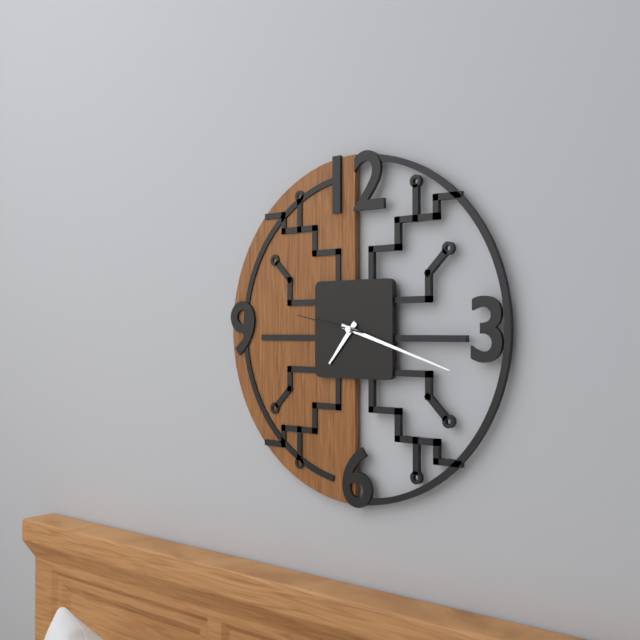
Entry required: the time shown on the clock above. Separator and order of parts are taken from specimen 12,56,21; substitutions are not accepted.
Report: 7,18,47
